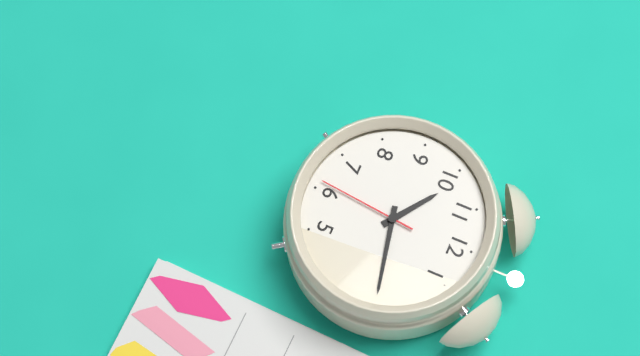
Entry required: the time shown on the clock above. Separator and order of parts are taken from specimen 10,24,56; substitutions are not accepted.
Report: 10,13,31
